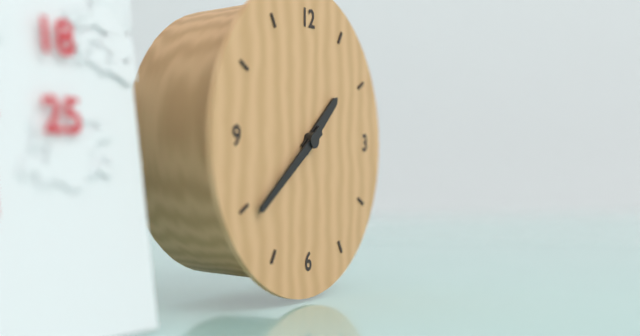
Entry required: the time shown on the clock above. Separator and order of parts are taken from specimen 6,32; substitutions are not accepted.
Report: 1,39
